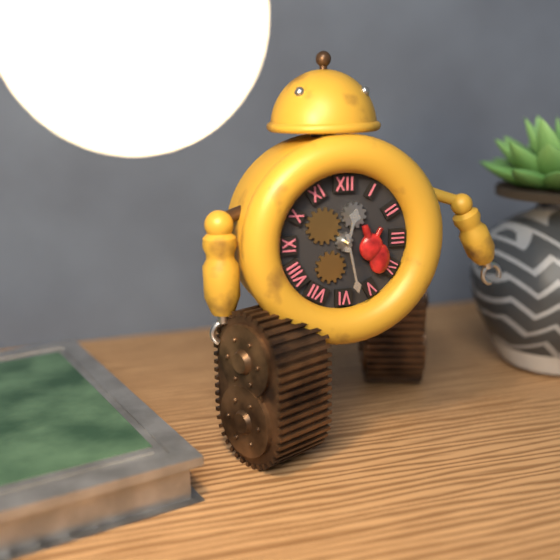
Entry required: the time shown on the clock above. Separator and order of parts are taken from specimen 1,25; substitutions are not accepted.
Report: 12,28
